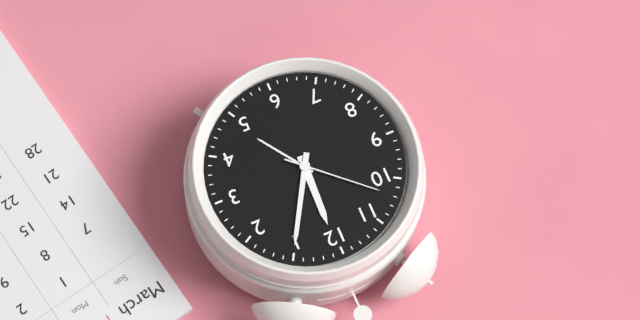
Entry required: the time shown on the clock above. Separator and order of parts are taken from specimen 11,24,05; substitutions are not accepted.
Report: 12,05,52
